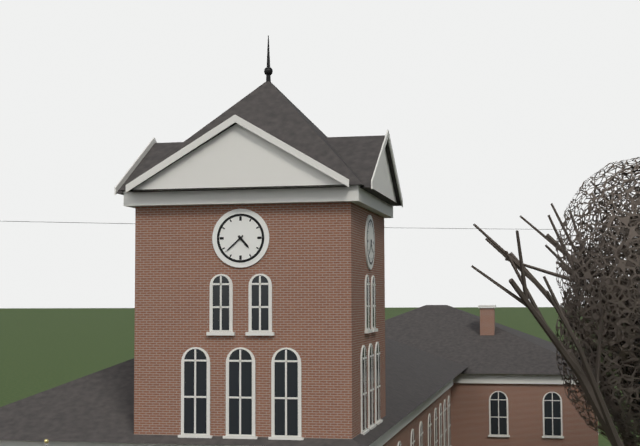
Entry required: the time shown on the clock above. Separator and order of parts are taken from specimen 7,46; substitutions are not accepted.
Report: 4,38
